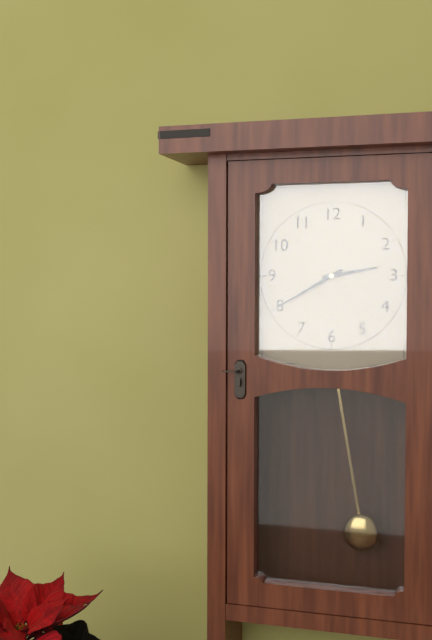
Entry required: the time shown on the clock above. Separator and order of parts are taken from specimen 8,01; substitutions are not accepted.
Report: 2,40
